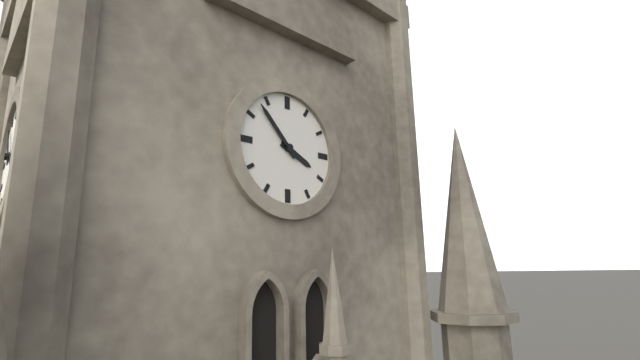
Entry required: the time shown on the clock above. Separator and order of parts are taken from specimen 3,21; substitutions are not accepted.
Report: 3,53
